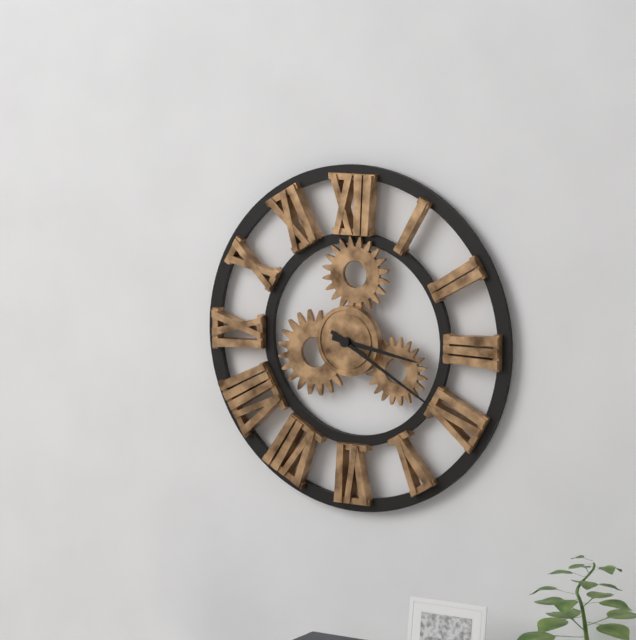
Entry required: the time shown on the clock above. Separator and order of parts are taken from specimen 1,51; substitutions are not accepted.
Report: 3,20
